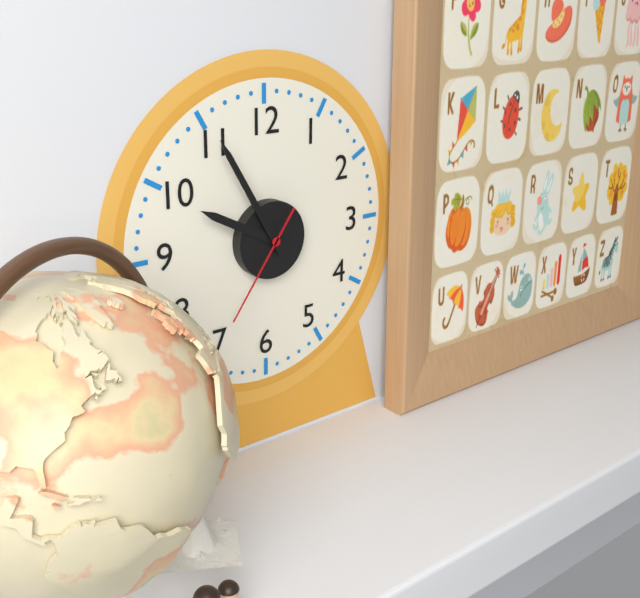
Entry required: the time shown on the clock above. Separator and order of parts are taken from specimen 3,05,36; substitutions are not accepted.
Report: 9,55,36
